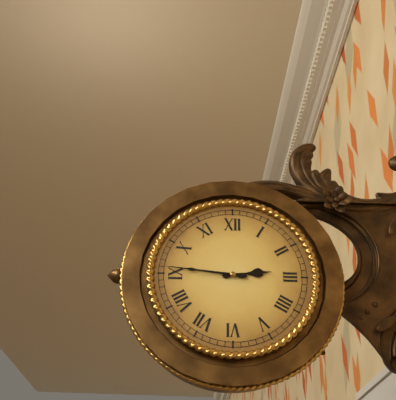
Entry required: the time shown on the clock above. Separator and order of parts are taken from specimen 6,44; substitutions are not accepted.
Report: 2,46
